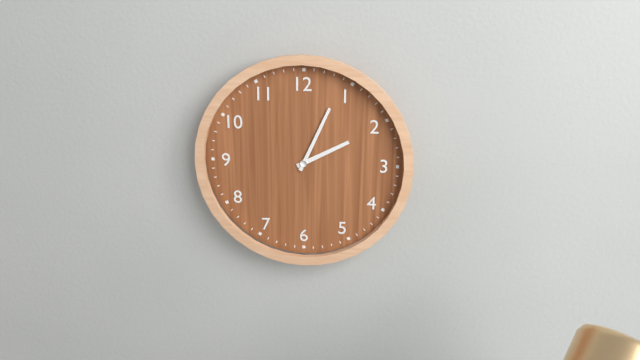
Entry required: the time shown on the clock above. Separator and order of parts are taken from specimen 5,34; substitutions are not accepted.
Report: 2,04
